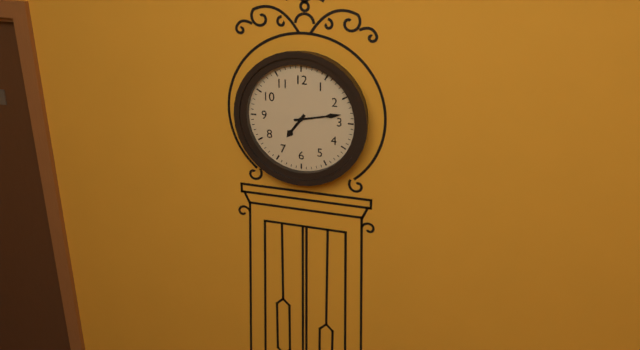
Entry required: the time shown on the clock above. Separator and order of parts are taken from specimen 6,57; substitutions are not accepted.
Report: 7,13
